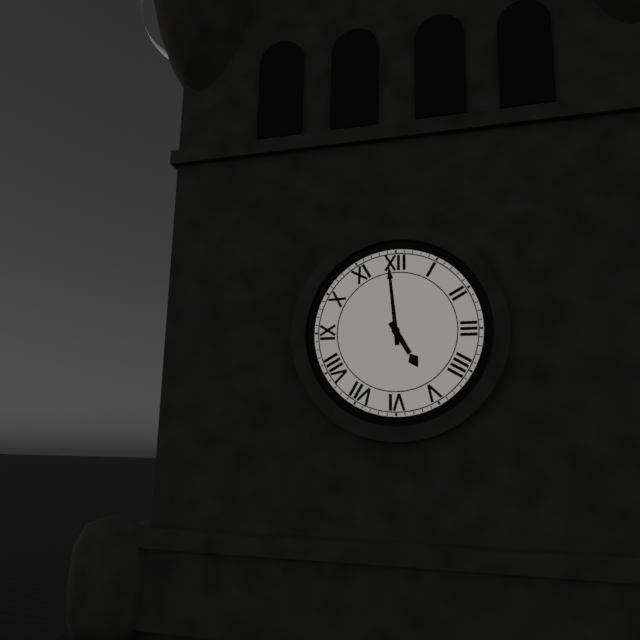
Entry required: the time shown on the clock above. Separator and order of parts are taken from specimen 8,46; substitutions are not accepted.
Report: 4,59
